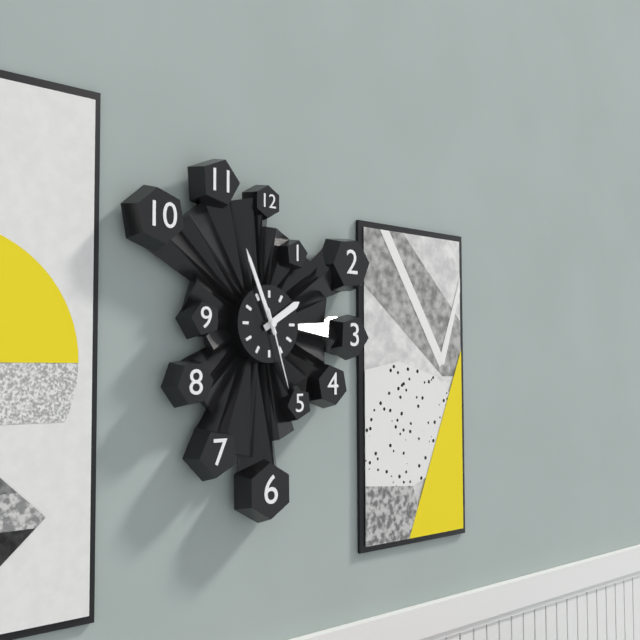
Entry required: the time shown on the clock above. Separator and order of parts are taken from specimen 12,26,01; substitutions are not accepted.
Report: 1,56,27
